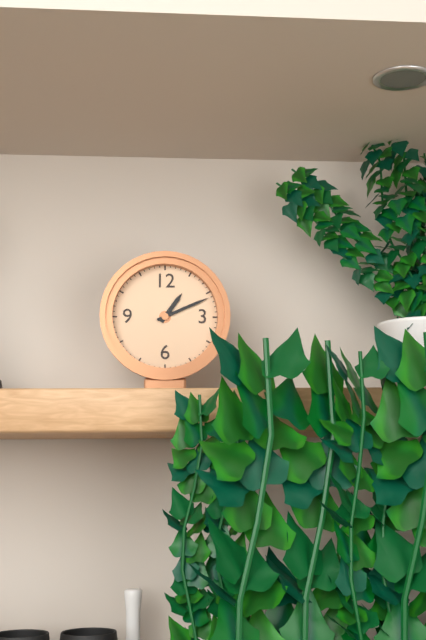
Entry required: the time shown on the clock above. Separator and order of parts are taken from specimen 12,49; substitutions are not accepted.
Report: 1,11
